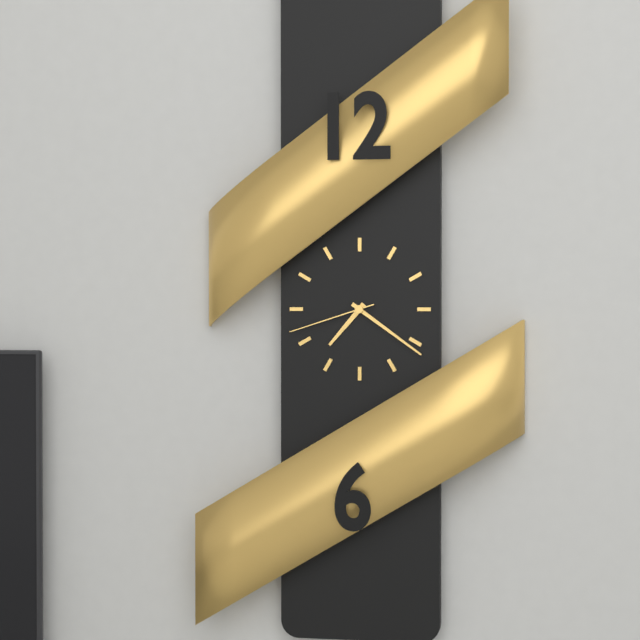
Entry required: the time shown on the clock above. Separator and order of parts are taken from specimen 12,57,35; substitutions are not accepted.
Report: 7,21,42
